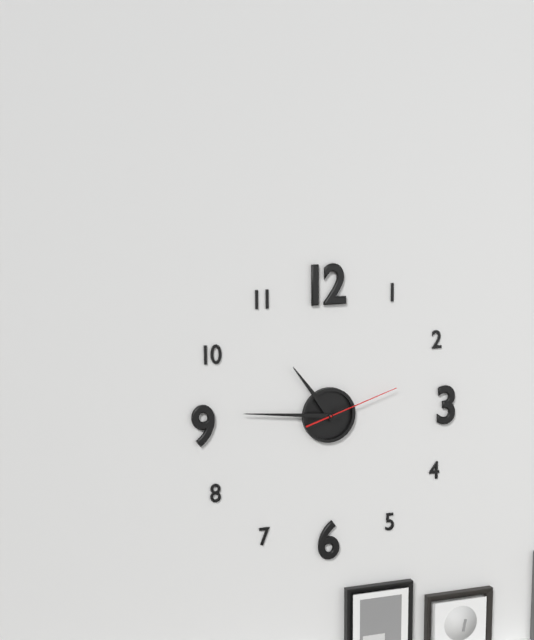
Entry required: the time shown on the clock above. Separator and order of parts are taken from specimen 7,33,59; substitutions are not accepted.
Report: 10,46,12
